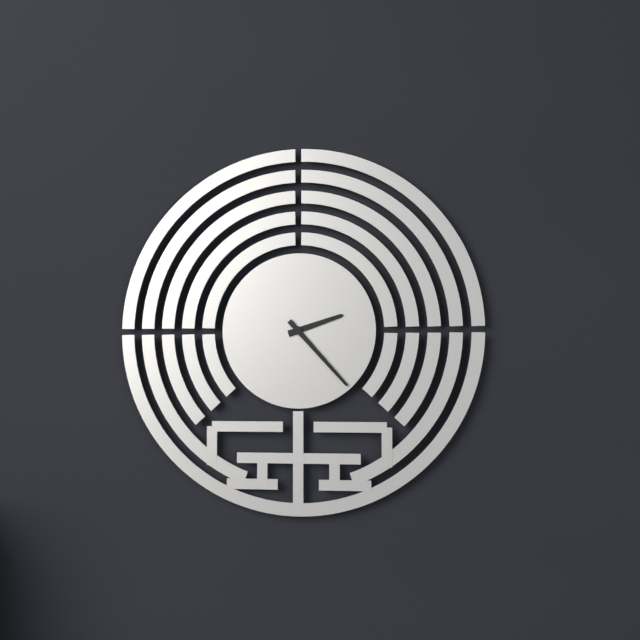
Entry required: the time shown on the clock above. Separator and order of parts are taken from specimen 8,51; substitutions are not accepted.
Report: 2,23
